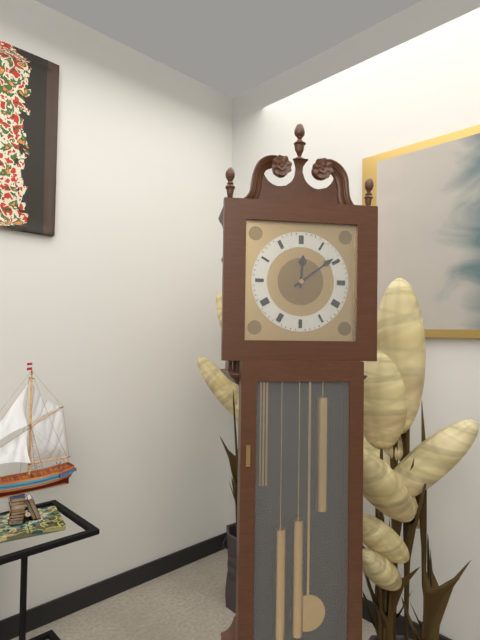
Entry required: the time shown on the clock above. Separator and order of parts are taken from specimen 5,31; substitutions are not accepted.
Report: 12,09
